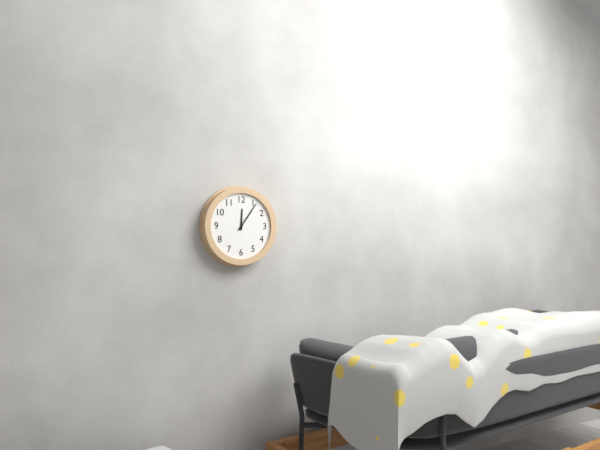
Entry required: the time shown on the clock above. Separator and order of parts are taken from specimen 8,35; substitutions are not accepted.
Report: 12,06
